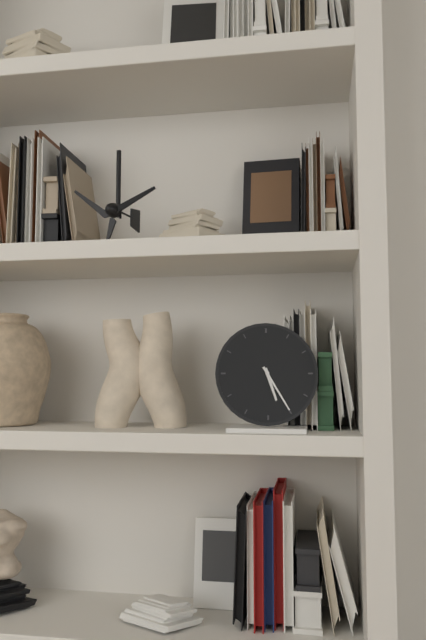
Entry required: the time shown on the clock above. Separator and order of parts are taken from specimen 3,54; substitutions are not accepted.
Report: 5,25
